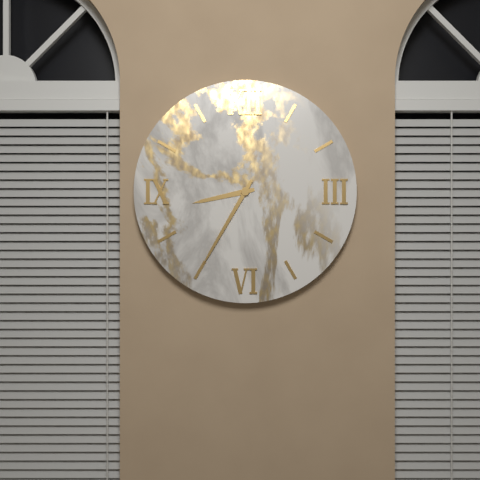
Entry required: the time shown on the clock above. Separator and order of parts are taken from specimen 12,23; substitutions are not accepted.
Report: 8,35
